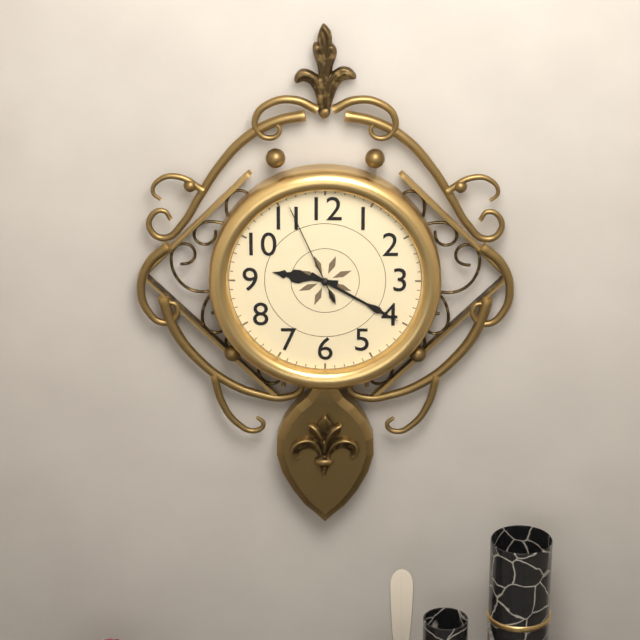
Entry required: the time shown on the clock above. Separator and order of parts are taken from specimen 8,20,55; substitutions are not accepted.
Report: 9,20,56
